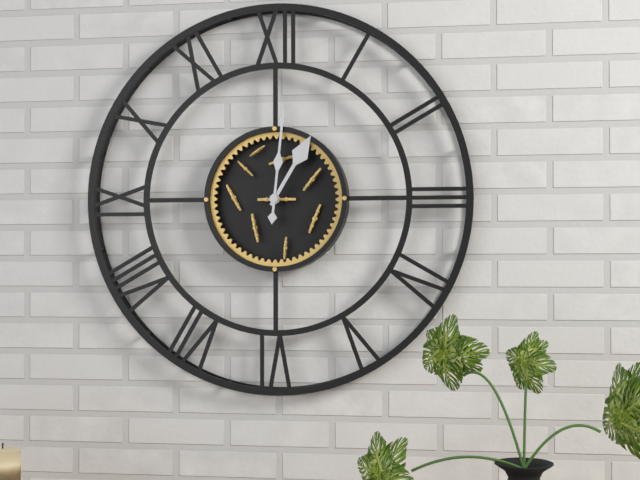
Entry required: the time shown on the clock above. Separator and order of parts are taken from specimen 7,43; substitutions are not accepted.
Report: 1,01
